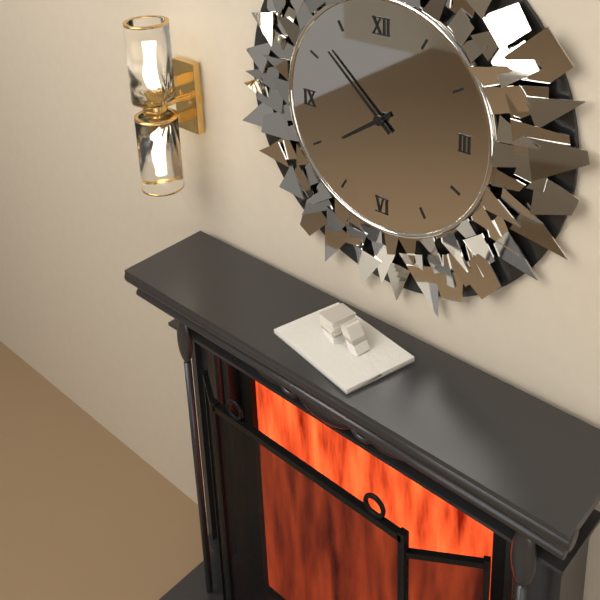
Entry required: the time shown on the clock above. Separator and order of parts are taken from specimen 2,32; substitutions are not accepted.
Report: 7,52
